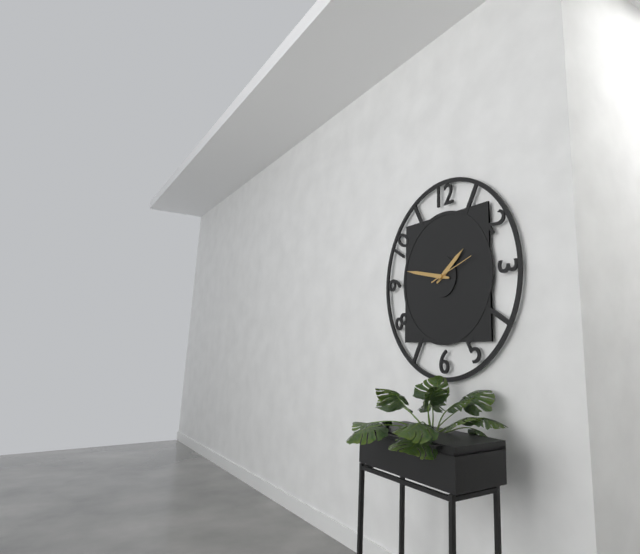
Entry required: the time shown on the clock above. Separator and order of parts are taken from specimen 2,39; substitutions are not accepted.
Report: 1,47
